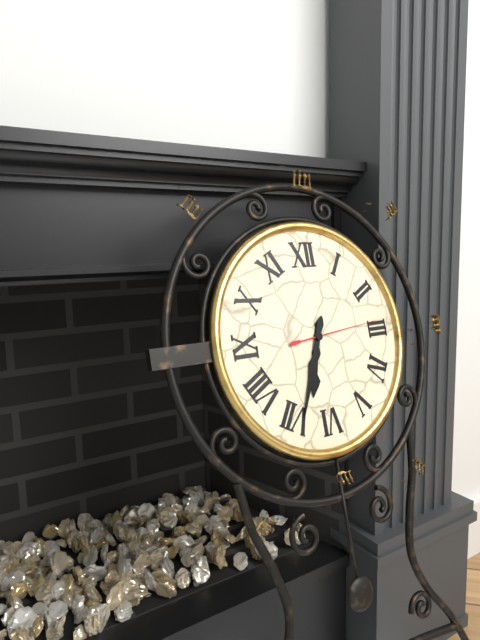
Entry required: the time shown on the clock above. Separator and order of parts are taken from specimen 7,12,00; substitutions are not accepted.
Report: 6,34,14
